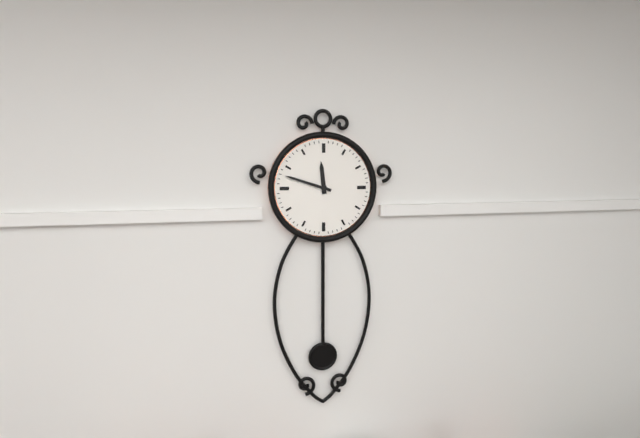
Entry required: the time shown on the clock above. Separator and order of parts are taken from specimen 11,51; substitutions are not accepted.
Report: 11,48
